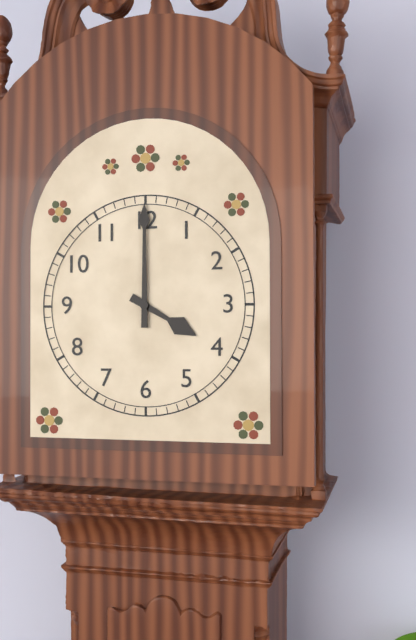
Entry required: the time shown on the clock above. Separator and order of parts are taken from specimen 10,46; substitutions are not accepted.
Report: 4,00
